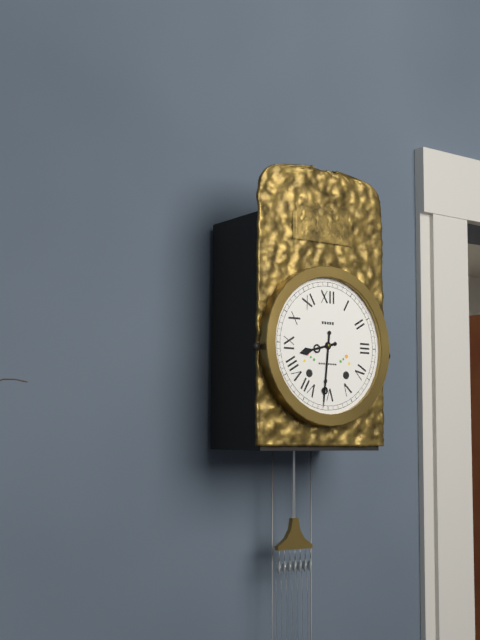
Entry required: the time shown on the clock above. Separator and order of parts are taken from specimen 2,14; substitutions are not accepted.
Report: 8,31
